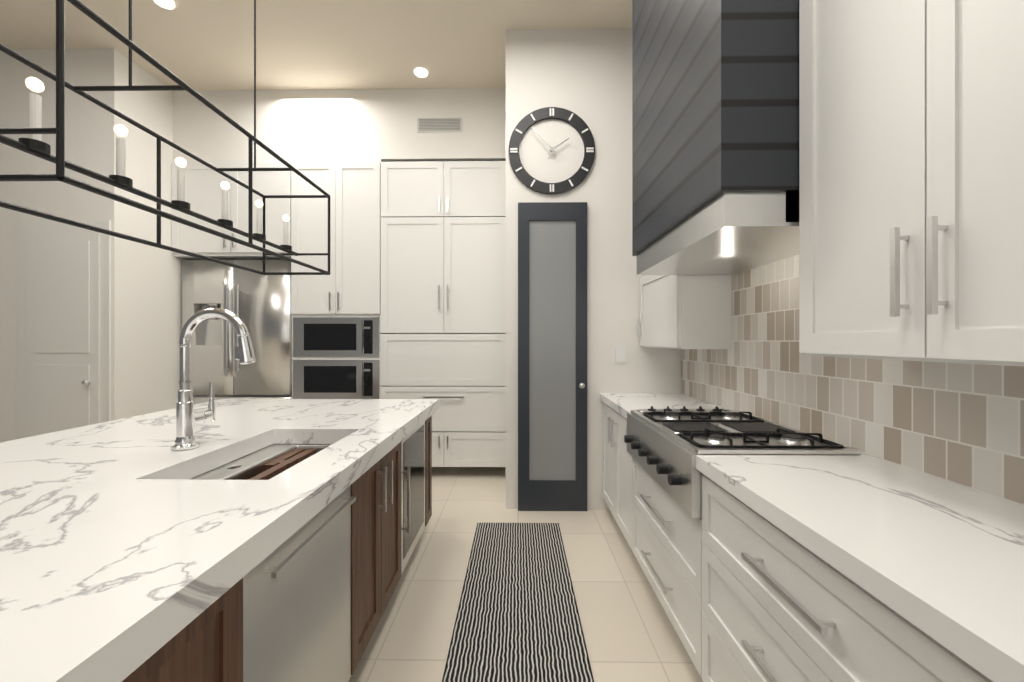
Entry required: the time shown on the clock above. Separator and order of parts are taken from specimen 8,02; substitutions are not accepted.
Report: 1,53
